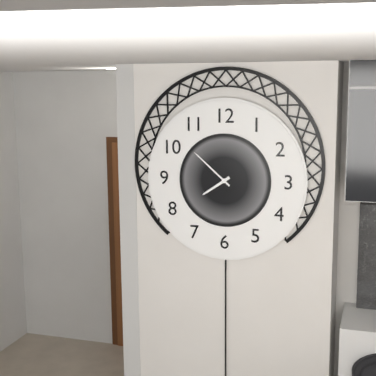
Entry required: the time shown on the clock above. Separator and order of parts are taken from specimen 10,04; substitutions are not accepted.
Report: 7,52
